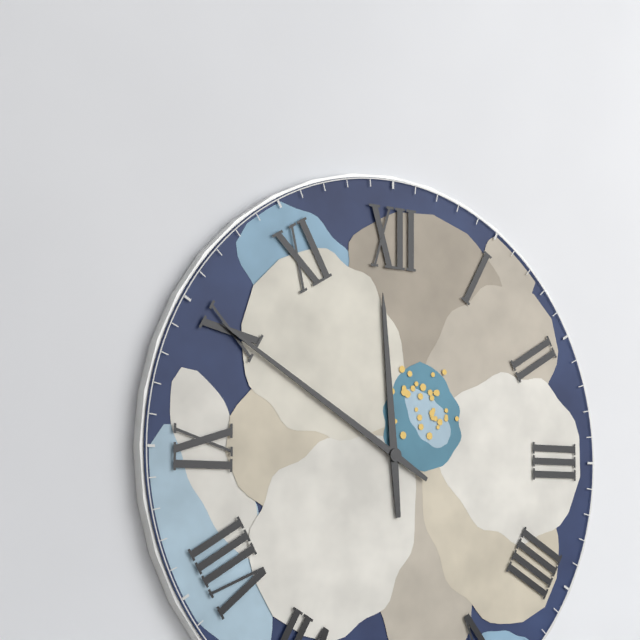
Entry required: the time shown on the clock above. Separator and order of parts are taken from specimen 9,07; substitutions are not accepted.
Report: 11,50
